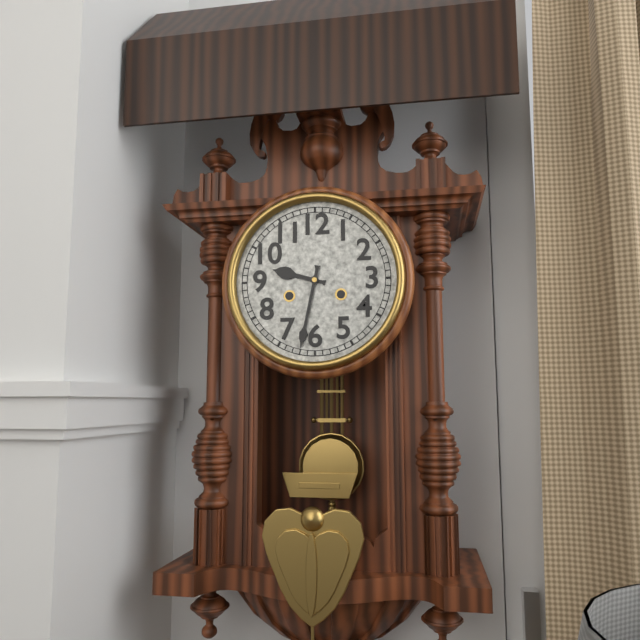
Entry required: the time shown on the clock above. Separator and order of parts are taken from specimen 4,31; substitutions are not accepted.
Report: 9,32
